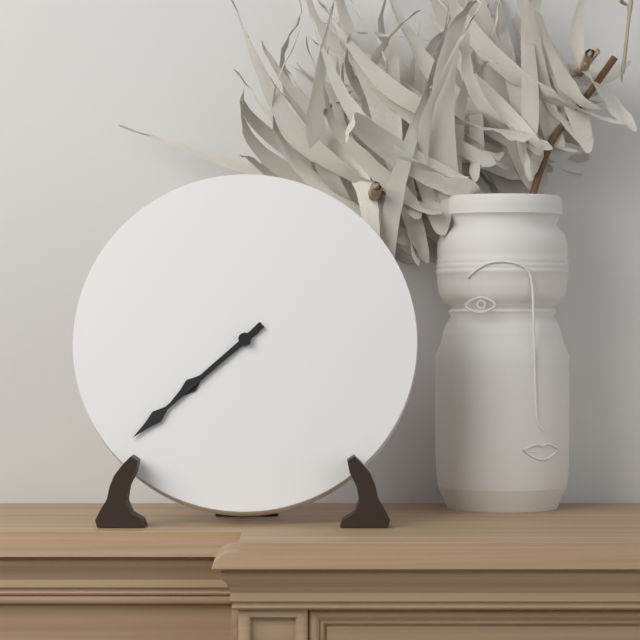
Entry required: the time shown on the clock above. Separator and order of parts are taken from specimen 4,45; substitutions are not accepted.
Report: 7,38
